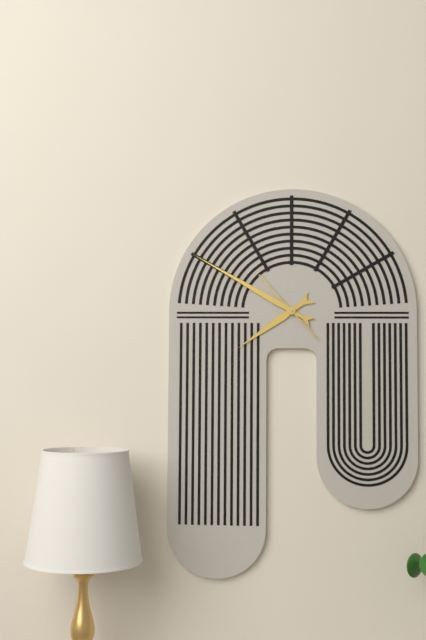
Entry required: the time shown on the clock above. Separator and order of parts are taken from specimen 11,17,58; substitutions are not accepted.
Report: 7,50,53
